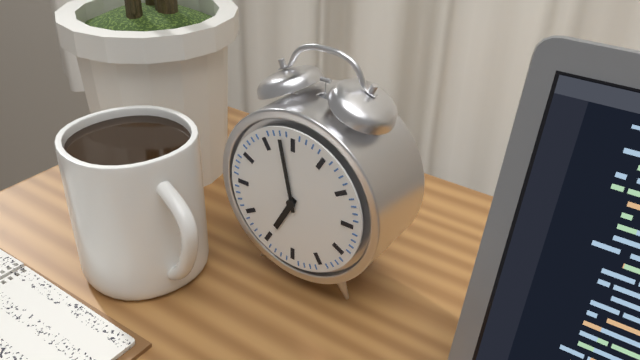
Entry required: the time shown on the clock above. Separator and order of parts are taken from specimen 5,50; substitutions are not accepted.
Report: 6,58
